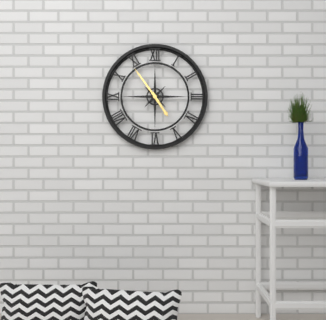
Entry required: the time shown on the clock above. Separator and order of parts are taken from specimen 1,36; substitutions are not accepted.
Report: 4,54
